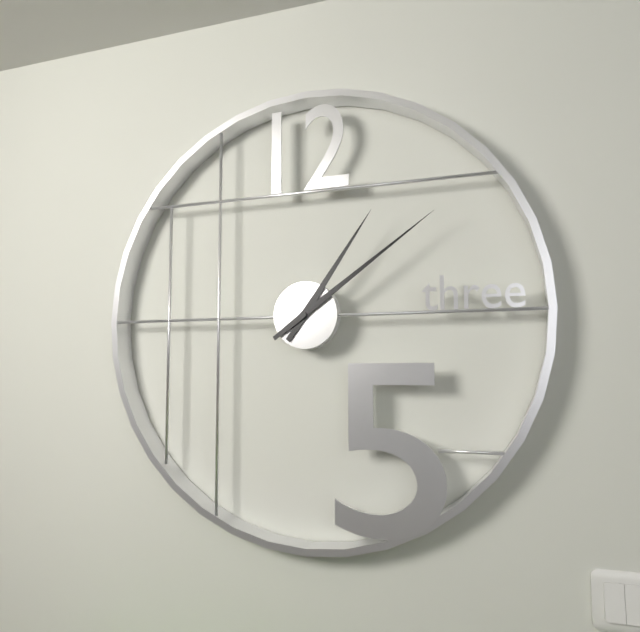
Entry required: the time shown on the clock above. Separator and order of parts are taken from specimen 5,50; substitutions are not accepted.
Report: 1,09
